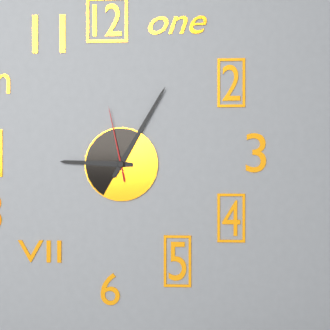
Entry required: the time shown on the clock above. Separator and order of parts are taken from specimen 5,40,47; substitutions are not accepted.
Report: 9,05,58
